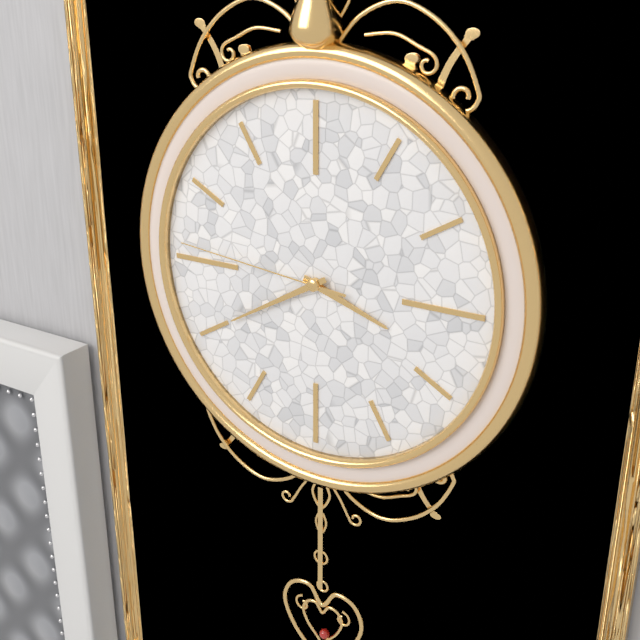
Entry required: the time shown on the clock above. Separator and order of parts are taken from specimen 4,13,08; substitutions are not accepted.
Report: 3,40,46
